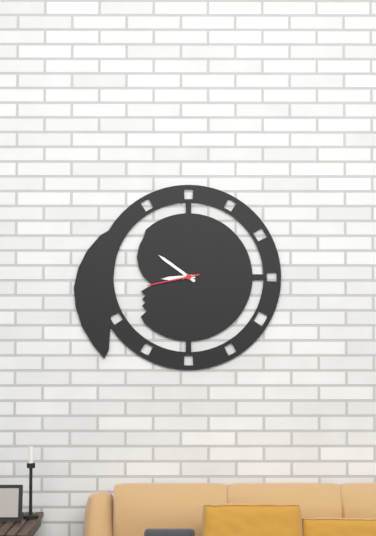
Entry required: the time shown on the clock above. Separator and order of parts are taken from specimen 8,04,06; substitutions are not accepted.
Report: 8,51,43
